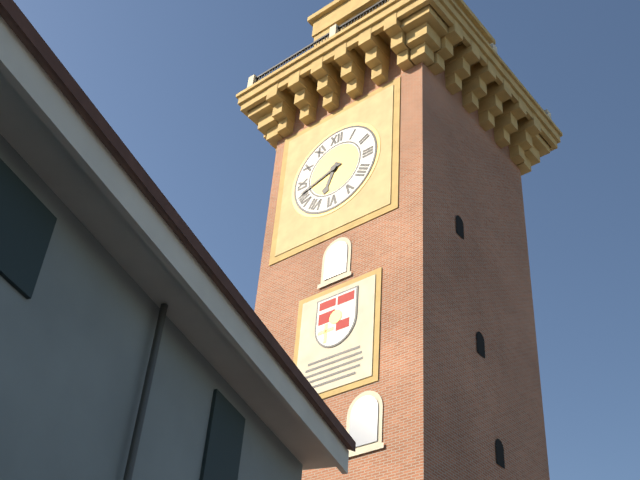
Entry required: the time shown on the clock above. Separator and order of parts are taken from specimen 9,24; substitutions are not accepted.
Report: 6,42
